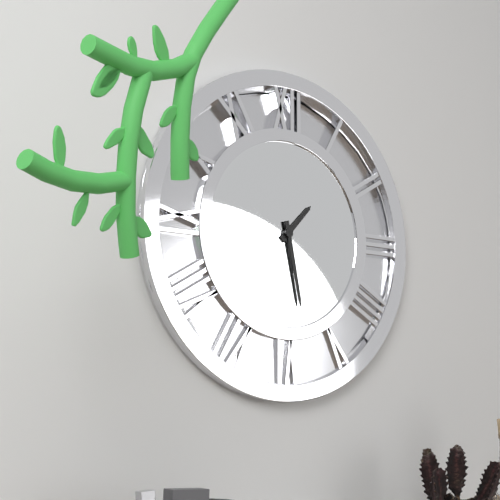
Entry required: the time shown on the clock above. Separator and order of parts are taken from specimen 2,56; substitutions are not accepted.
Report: 1,28
